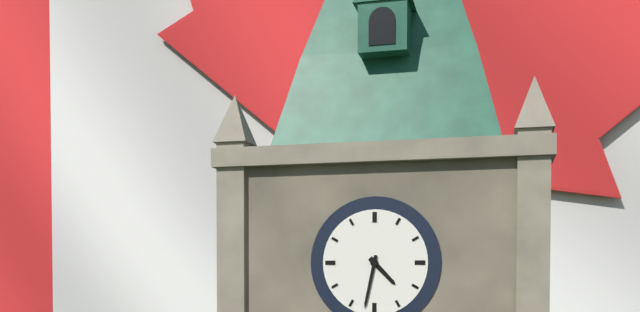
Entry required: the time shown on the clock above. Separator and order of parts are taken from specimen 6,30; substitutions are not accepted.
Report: 4,32
